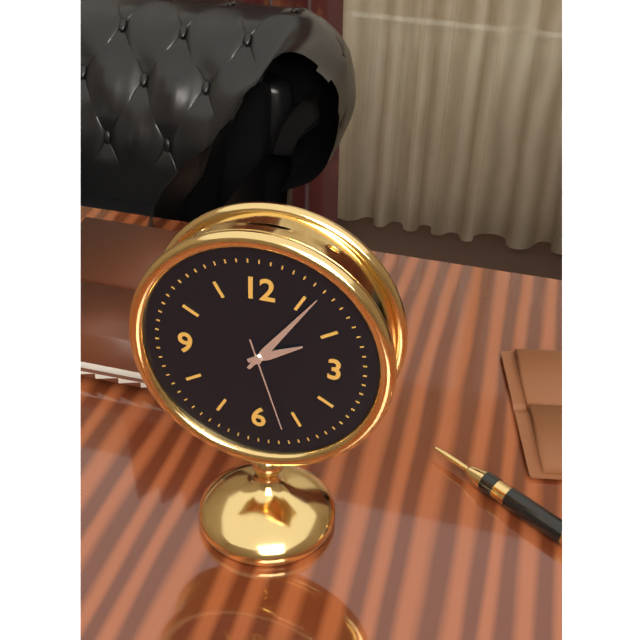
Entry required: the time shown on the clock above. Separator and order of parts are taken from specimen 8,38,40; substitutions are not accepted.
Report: 2,06,27
